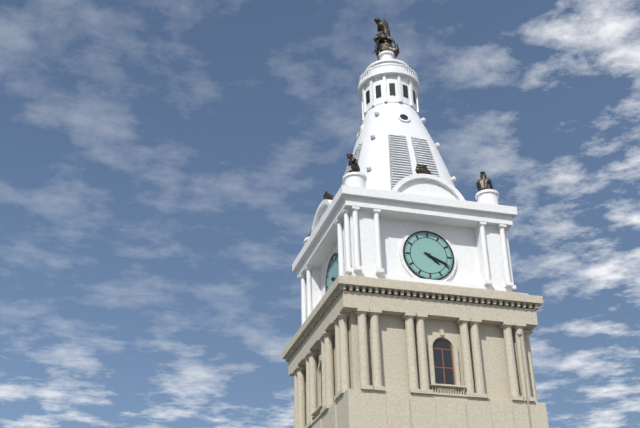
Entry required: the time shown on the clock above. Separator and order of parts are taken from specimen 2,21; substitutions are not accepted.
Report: 4,19
